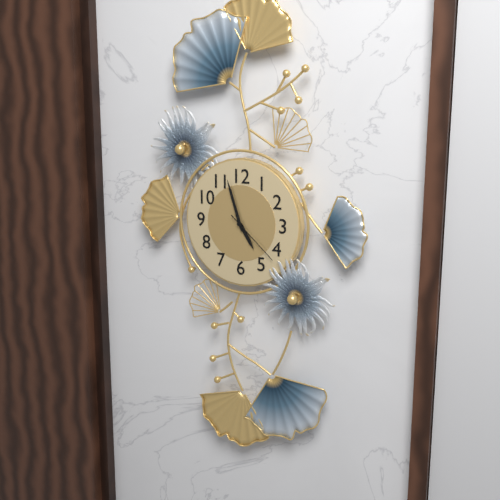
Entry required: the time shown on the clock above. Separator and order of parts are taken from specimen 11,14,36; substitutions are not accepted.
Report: 4,57,22
